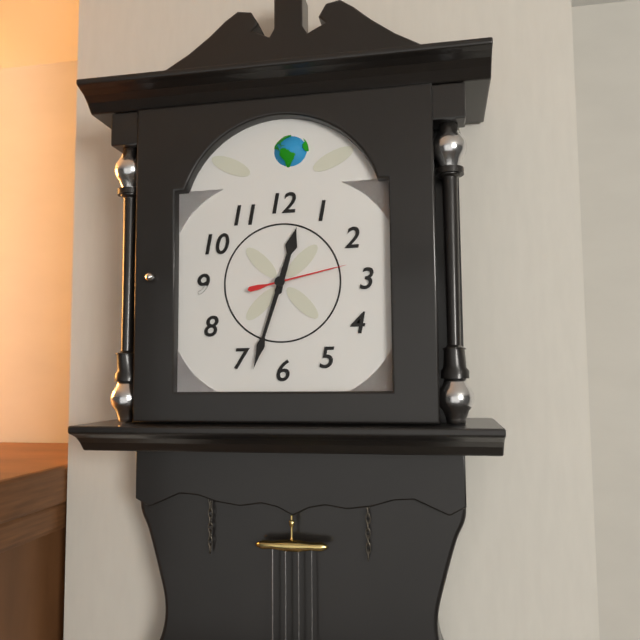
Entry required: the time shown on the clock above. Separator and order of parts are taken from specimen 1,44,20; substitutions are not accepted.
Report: 12,33,13
